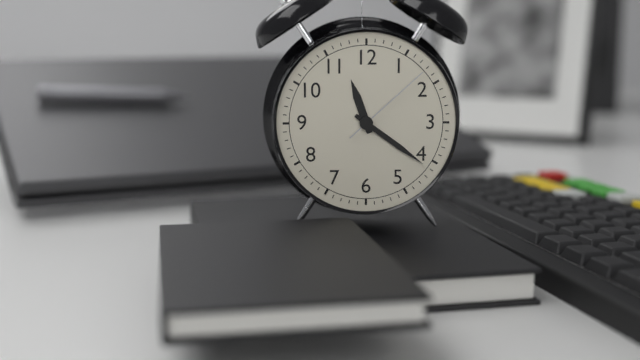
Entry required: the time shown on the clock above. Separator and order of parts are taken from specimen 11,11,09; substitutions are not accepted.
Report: 11,21,08
